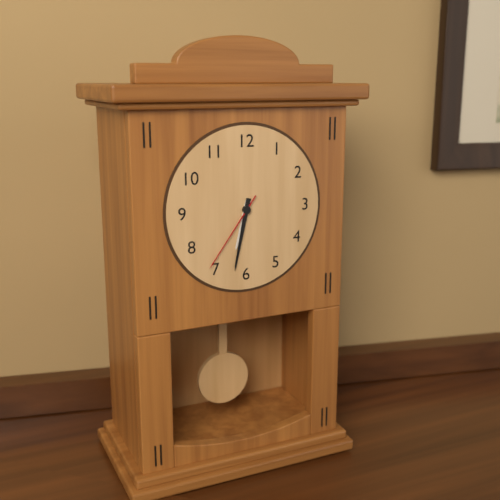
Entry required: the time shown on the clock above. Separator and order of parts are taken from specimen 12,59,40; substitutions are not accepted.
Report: 6,32,36
